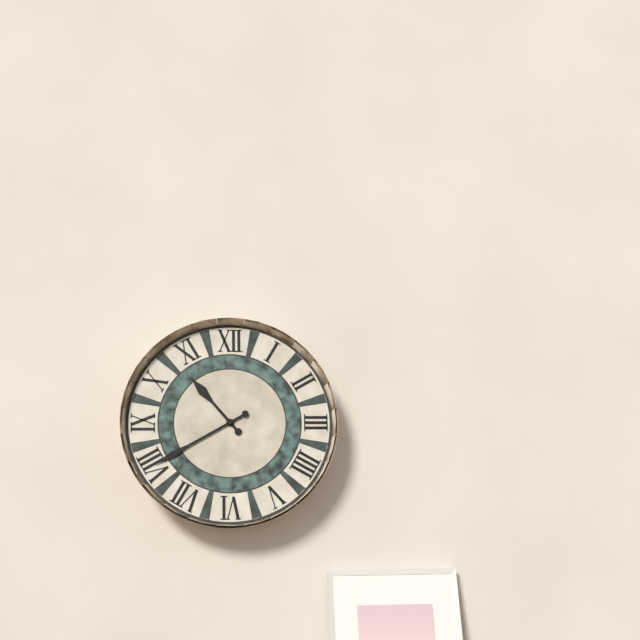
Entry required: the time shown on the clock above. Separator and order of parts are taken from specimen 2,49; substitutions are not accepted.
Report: 10,40
